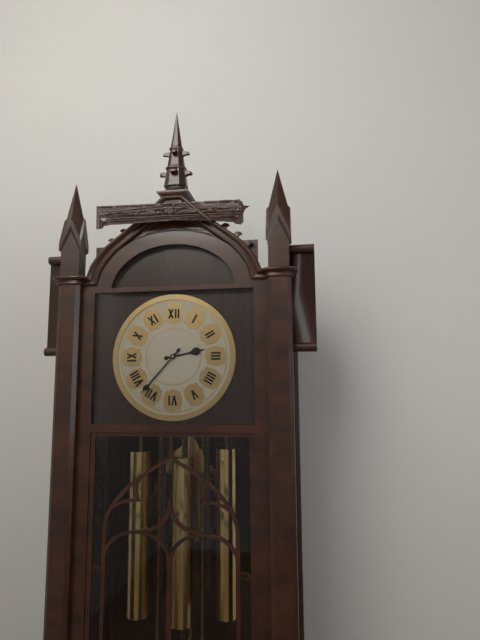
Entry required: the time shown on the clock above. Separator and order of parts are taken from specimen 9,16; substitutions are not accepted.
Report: 2,37
